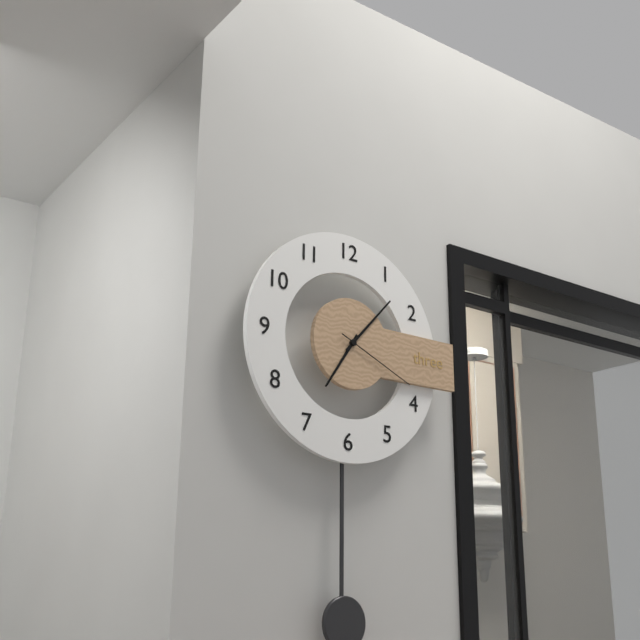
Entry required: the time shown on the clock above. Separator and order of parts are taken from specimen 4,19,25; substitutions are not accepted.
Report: 7,07,19
